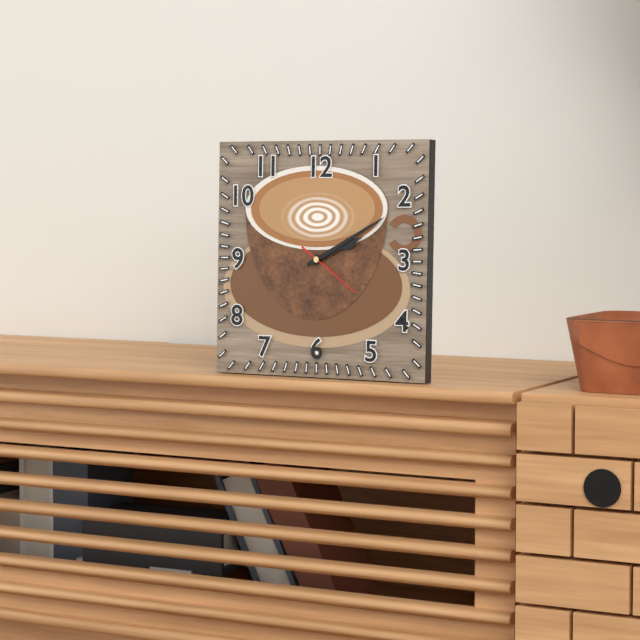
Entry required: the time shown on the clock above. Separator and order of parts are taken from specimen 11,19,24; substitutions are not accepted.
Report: 2,10,21
